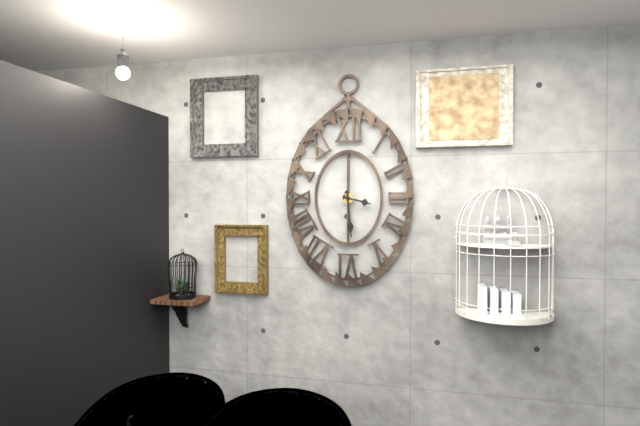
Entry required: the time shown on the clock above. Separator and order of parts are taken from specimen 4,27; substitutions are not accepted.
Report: 3,29
